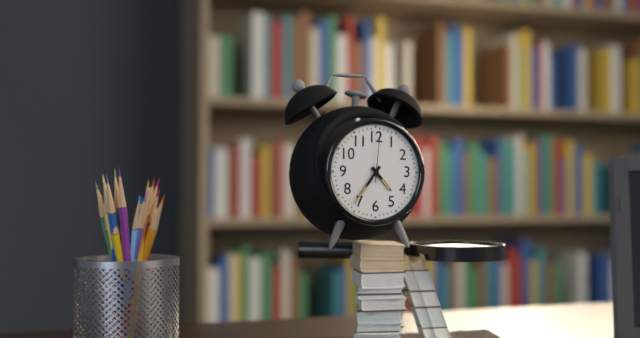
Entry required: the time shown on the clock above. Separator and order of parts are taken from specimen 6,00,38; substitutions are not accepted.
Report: 4,36,01
